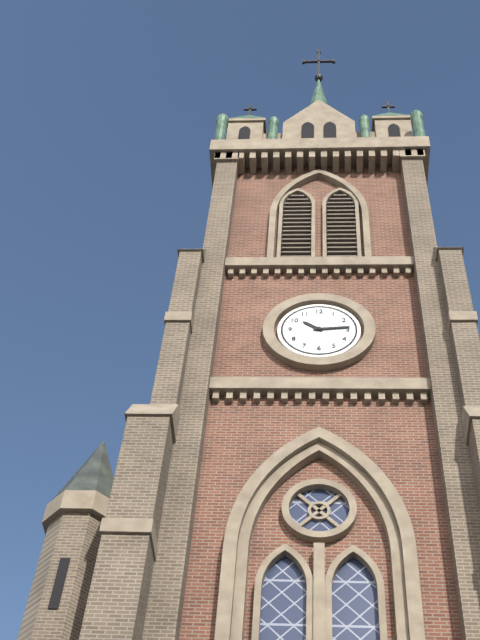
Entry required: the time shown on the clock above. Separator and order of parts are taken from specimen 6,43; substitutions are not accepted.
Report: 10,14
